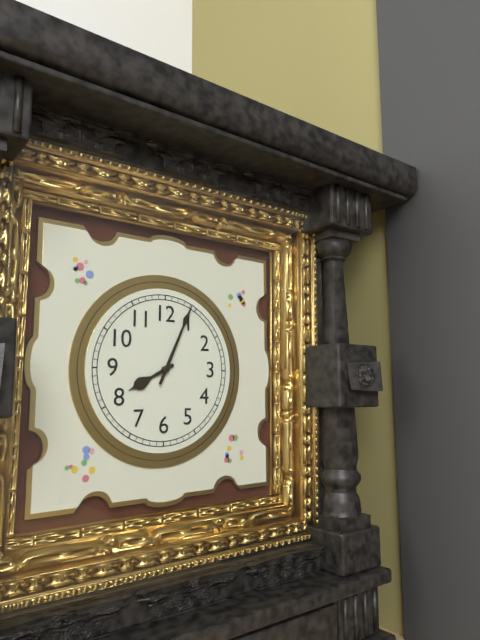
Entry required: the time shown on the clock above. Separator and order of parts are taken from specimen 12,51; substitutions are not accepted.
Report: 8,04
